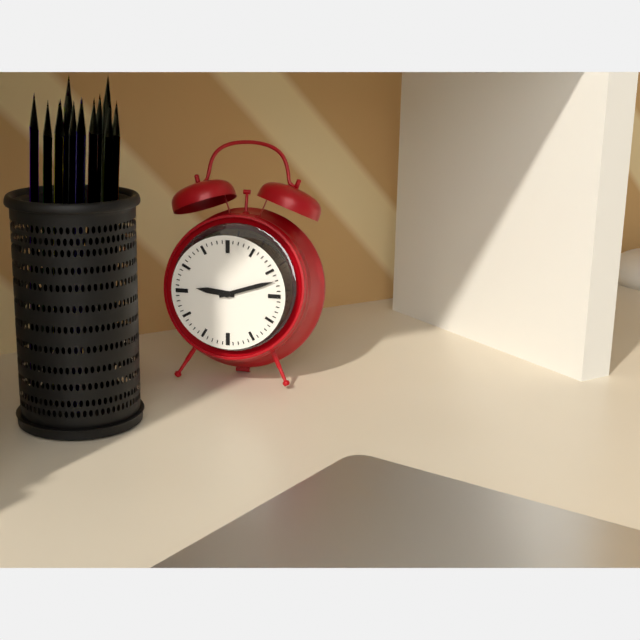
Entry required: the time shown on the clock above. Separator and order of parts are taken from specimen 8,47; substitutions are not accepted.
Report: 9,12
